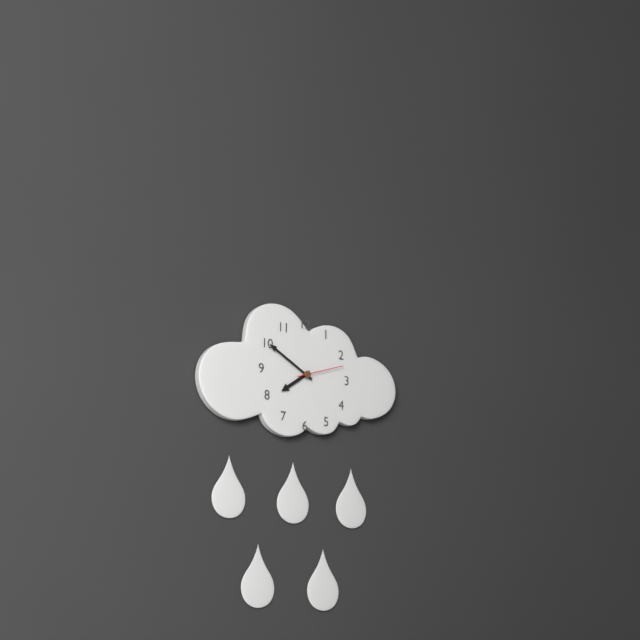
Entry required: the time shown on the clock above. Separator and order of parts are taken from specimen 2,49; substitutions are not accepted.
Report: 7,50
